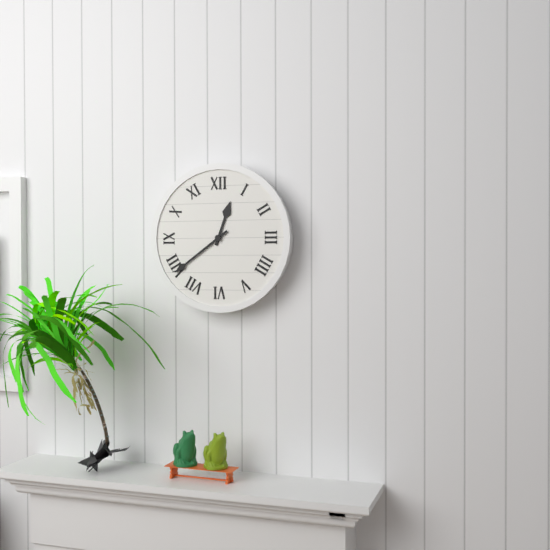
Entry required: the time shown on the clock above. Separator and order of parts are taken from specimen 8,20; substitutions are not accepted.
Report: 12,39
